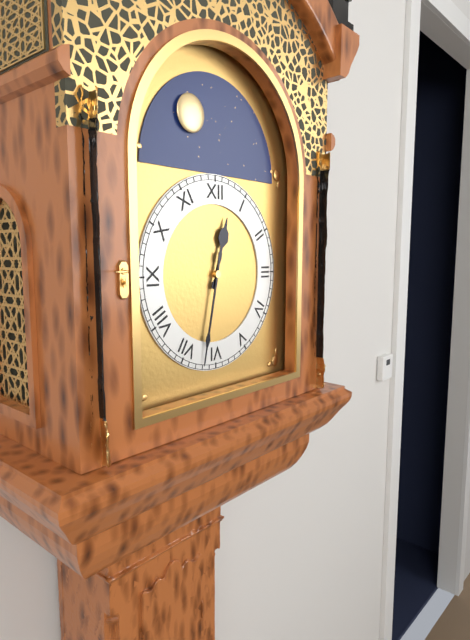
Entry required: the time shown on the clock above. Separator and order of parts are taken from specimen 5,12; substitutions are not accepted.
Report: 12,32
